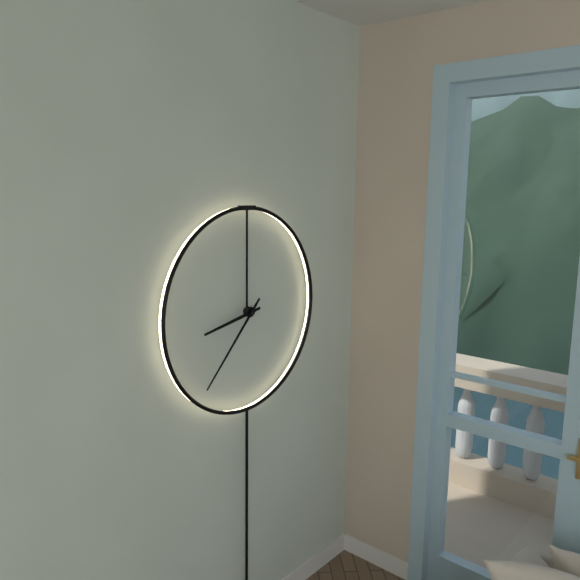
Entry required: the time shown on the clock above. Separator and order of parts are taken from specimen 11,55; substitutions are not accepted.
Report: 8,37
